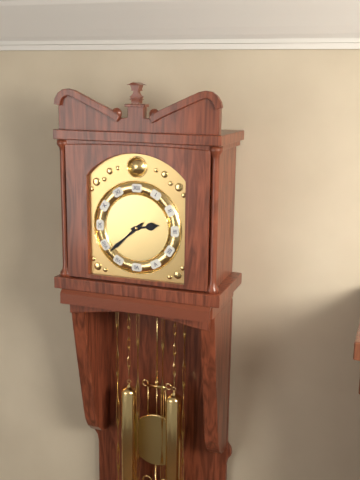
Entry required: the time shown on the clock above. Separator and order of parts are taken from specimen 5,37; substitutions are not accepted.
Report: 2,38
